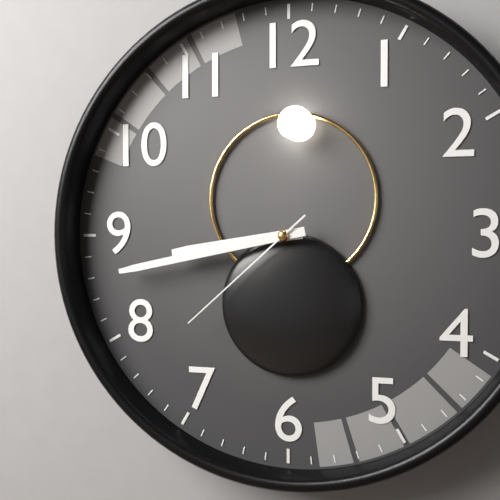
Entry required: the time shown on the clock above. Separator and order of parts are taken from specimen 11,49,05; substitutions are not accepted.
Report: 8,43,38
